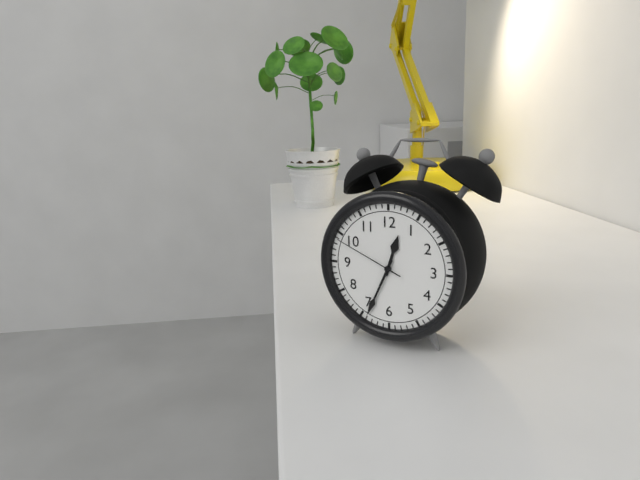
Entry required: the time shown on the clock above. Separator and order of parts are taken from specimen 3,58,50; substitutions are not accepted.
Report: 12,34,49
